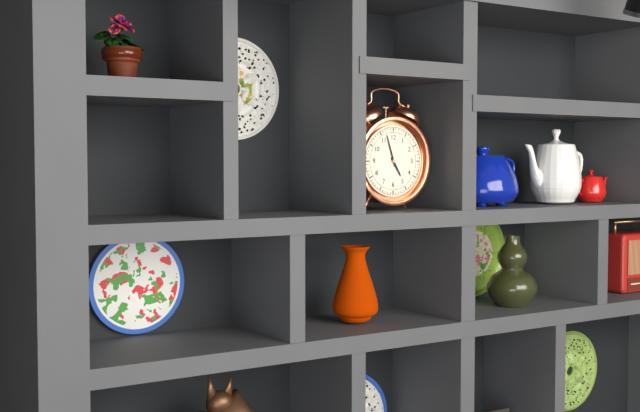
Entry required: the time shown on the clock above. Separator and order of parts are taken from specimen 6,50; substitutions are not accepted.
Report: 4,57
